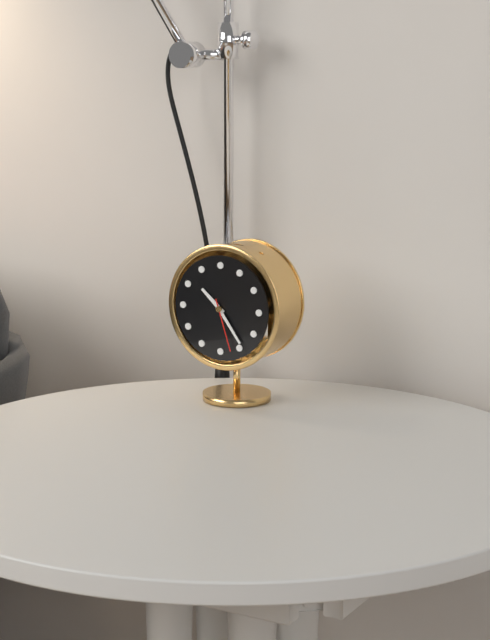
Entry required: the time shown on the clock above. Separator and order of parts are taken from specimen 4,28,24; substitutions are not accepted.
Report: 10,24,27
